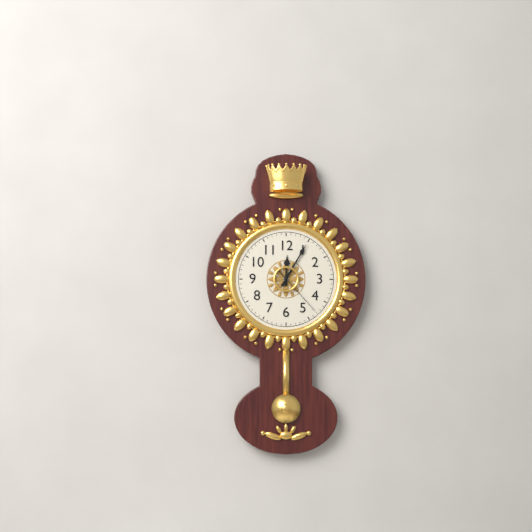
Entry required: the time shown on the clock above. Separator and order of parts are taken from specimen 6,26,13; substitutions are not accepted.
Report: 12,05,23
